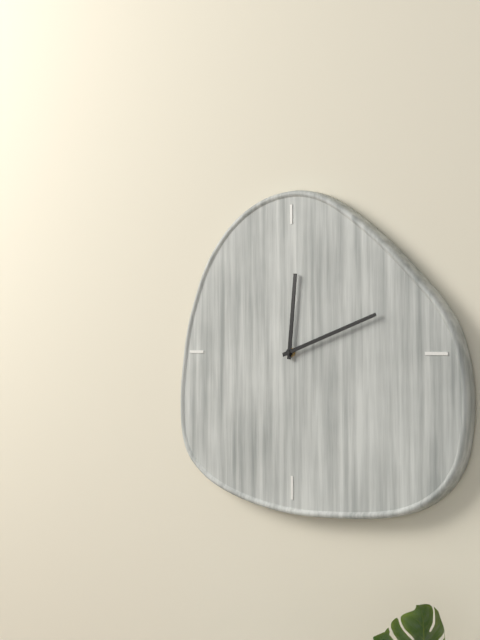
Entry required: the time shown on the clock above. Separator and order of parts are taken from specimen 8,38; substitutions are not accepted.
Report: 12,12
